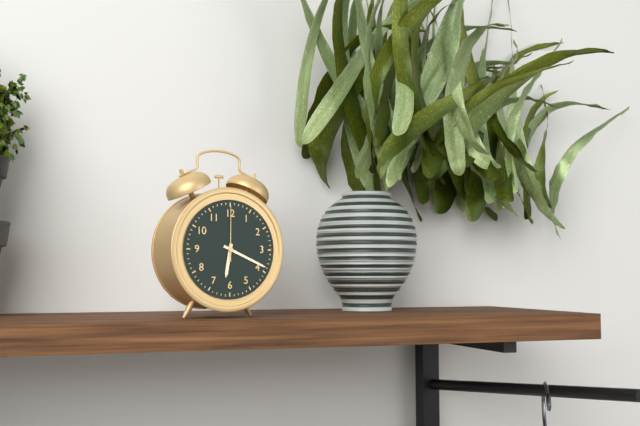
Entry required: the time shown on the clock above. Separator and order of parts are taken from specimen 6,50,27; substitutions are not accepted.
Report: 6,19,00
